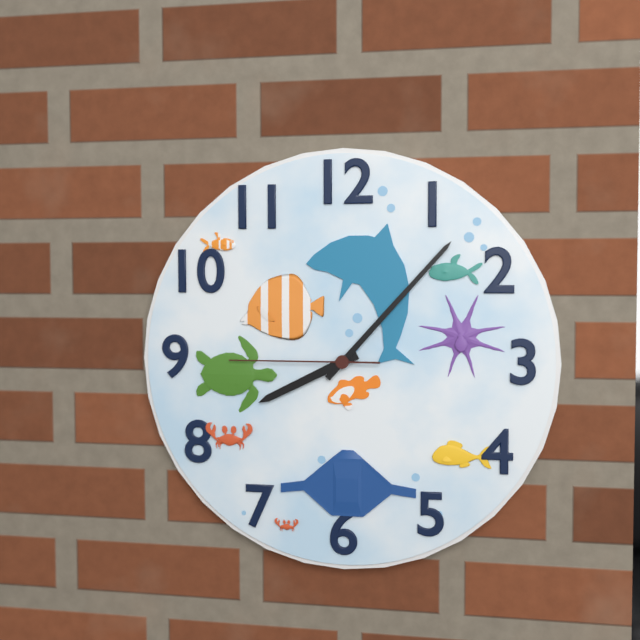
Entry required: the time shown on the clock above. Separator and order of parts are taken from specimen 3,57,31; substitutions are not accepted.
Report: 8,07,45
